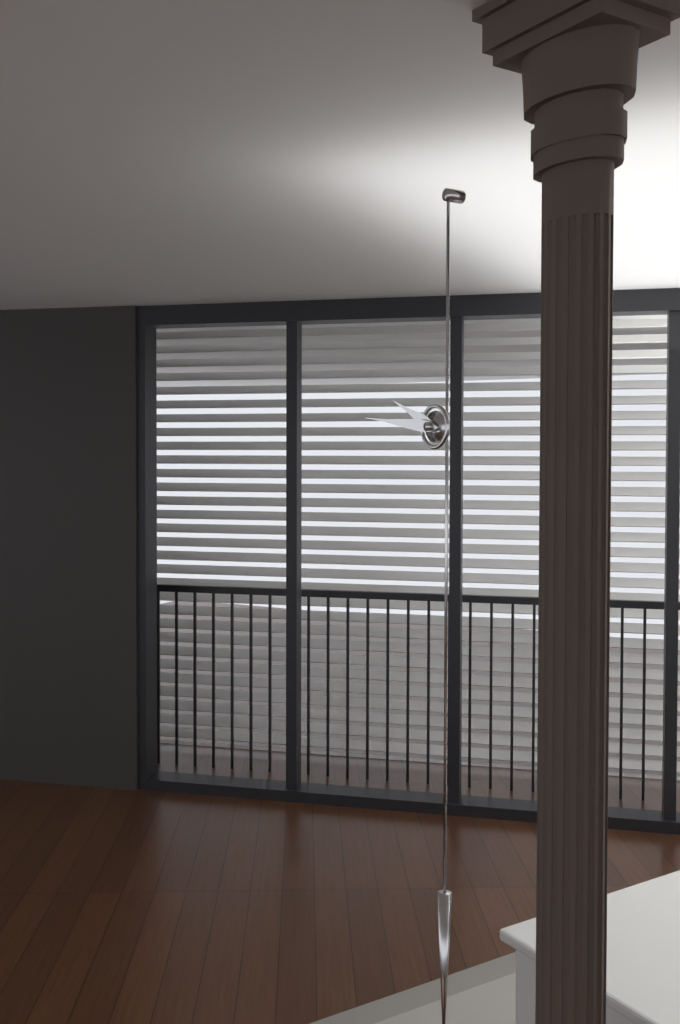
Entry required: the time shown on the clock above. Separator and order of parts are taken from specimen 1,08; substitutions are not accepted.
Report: 9,46
